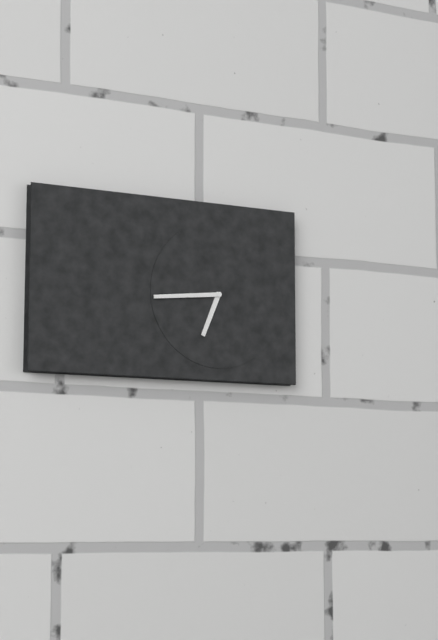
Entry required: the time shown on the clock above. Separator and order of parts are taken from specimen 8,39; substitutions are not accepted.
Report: 6,44
